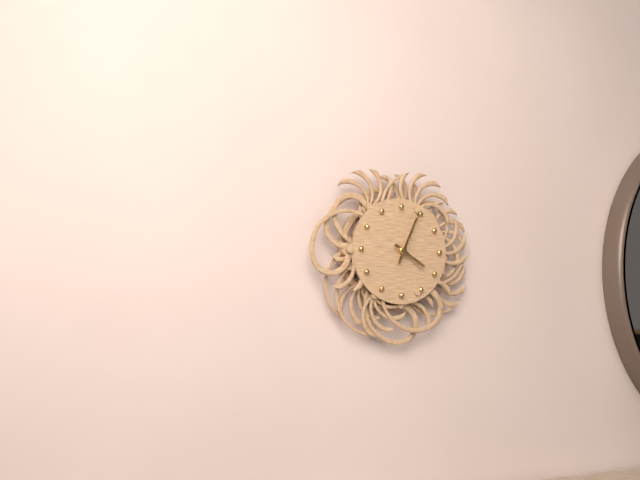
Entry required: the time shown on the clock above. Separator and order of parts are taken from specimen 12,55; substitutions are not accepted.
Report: 4,04
